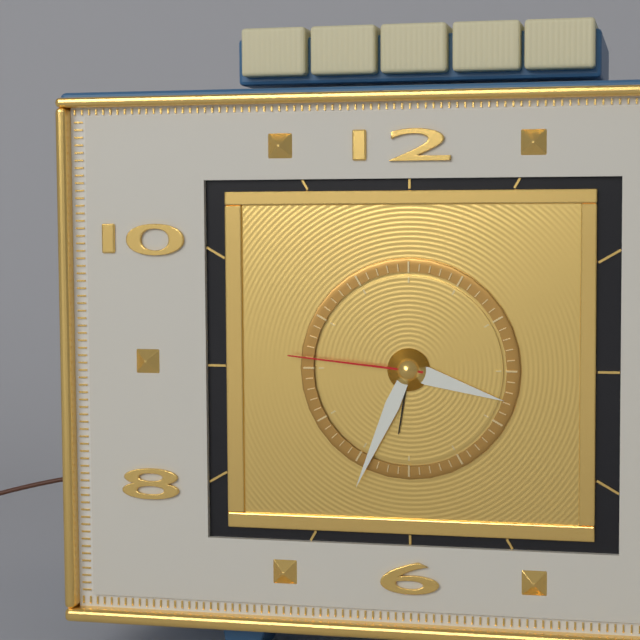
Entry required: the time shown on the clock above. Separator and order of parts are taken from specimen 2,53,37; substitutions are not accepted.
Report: 3,34,46
